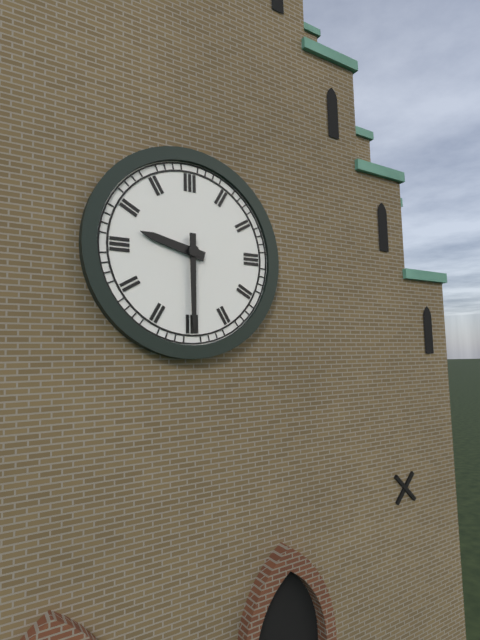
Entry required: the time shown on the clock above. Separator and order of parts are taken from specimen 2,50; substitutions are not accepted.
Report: 9,30
